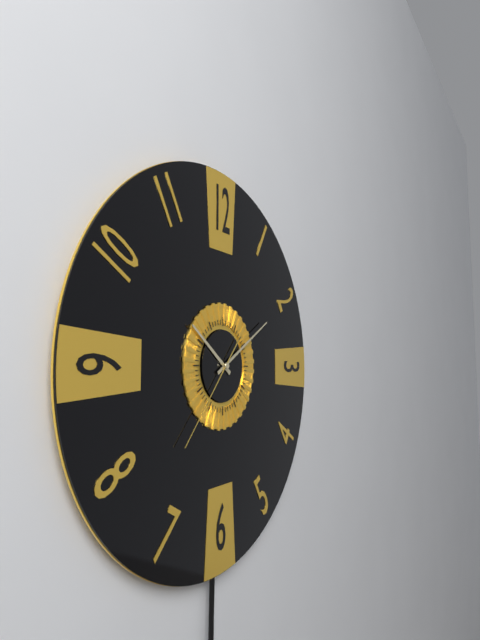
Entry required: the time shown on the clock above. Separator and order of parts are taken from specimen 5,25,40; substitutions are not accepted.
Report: 10,10,37
